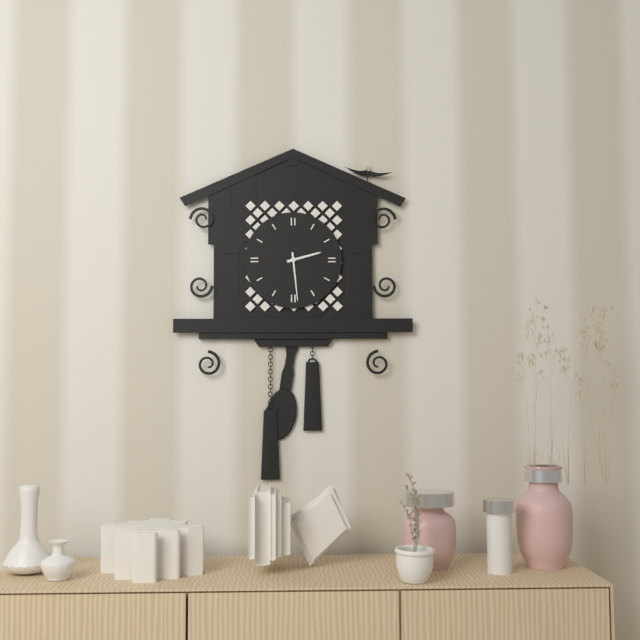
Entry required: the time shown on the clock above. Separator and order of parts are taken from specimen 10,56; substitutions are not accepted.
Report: 2,29
